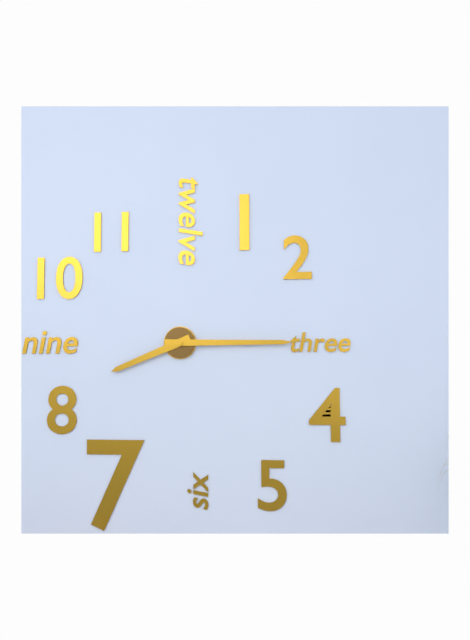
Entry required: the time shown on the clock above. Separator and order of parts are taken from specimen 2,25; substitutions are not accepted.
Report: 8,15
